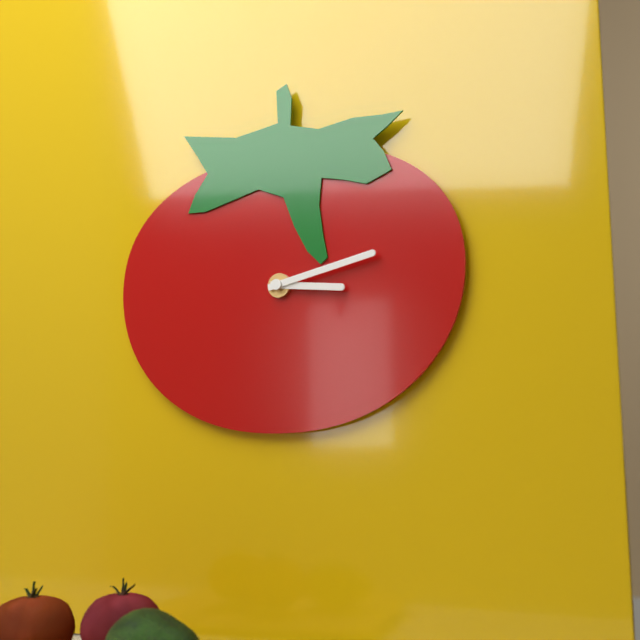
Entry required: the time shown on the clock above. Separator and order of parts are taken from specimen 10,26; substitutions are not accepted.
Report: 3,13
